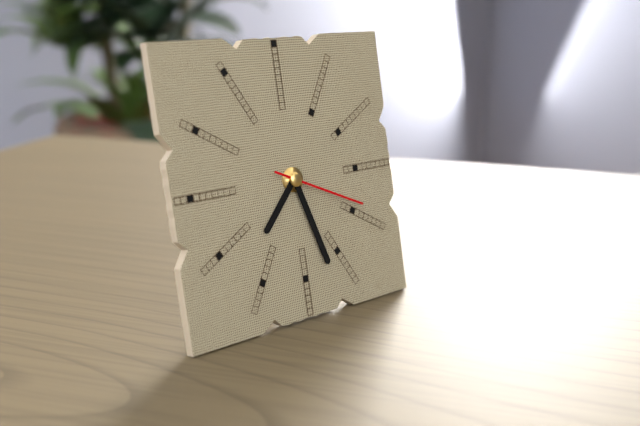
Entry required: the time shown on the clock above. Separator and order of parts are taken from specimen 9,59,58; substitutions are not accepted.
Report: 7,27,19
